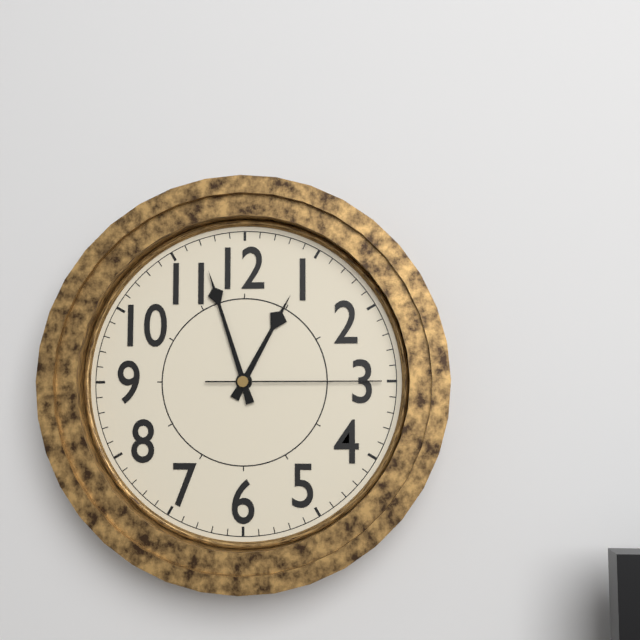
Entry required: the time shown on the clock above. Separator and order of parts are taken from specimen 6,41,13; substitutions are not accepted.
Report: 12,57,15
